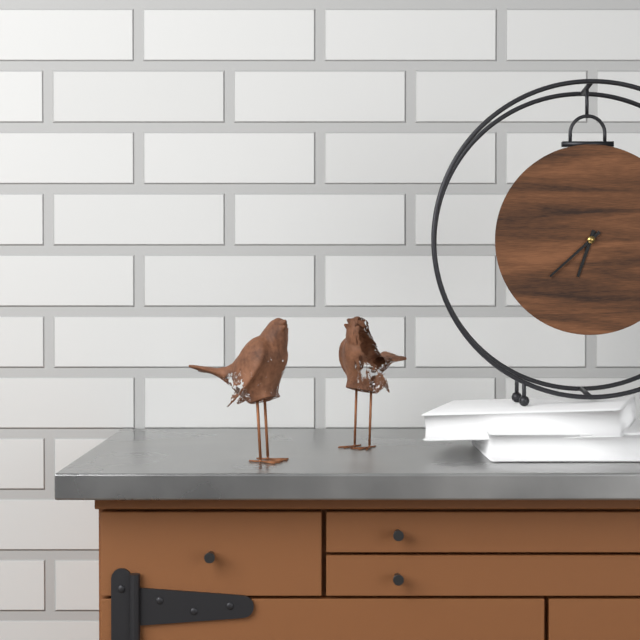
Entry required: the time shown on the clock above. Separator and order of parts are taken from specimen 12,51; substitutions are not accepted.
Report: 6,38
